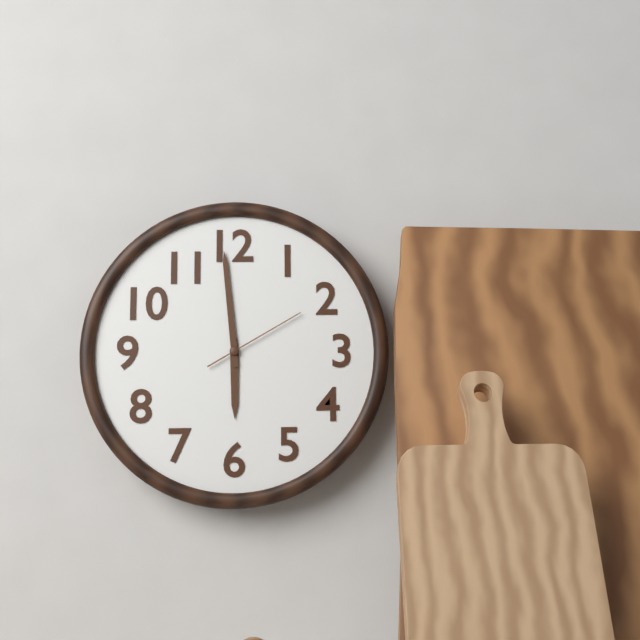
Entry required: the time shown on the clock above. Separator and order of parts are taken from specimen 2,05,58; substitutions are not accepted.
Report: 5,59,10
